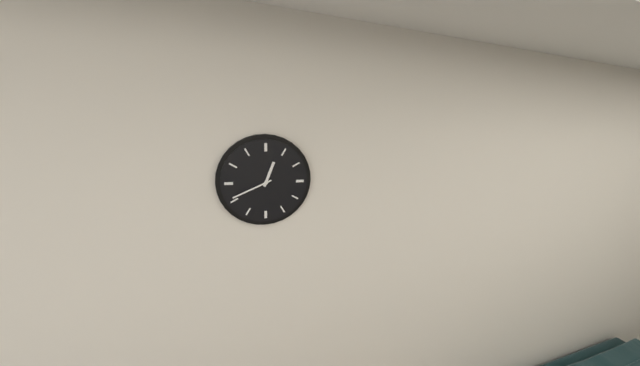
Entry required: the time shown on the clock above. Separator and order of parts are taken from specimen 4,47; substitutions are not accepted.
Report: 12,41
